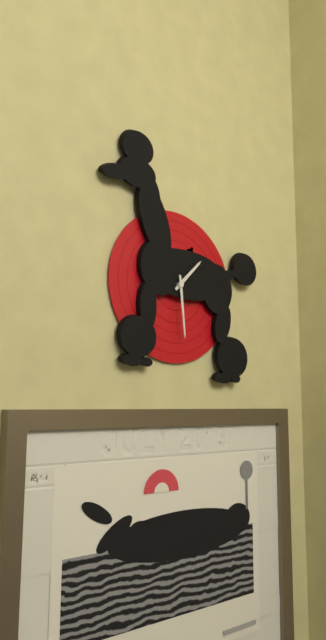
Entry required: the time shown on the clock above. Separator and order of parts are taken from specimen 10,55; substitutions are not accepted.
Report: 1,29
